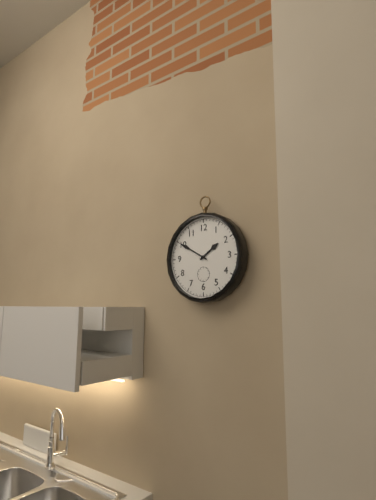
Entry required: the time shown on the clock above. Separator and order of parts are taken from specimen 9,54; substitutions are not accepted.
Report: 1,50
